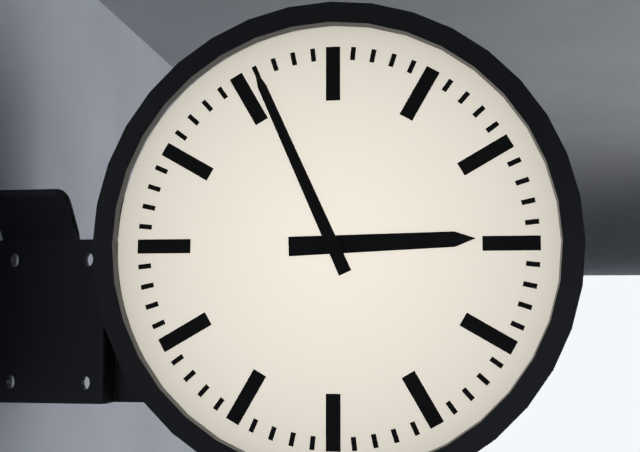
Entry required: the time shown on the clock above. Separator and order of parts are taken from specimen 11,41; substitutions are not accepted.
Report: 2,56
